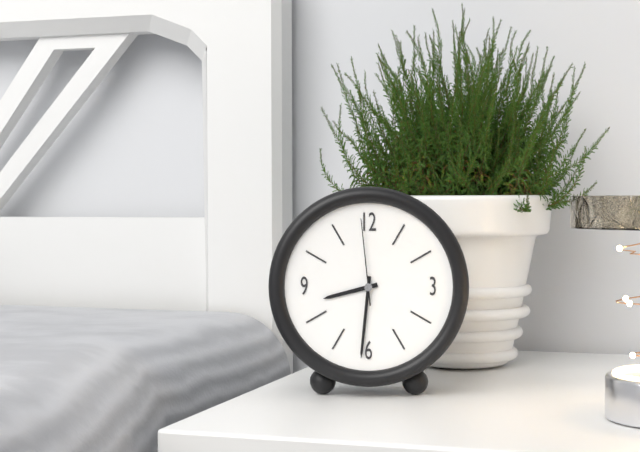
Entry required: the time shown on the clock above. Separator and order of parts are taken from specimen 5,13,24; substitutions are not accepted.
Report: 8,31,59
